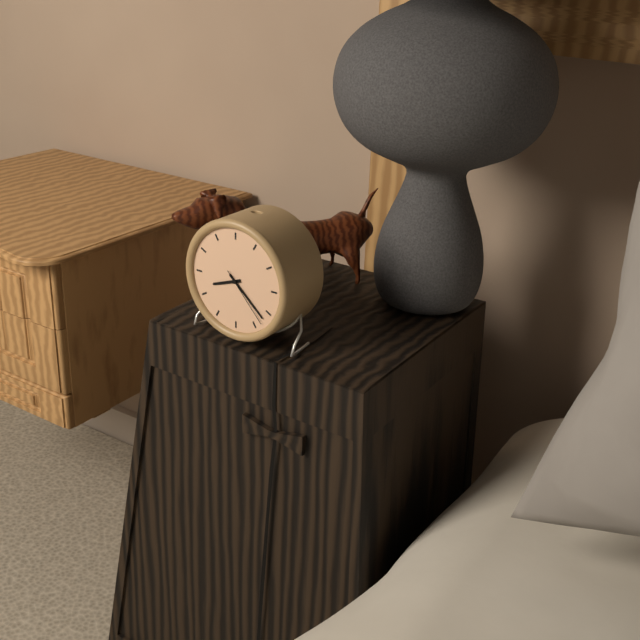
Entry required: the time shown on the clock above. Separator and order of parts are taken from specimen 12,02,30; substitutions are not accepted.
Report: 8,22,23
